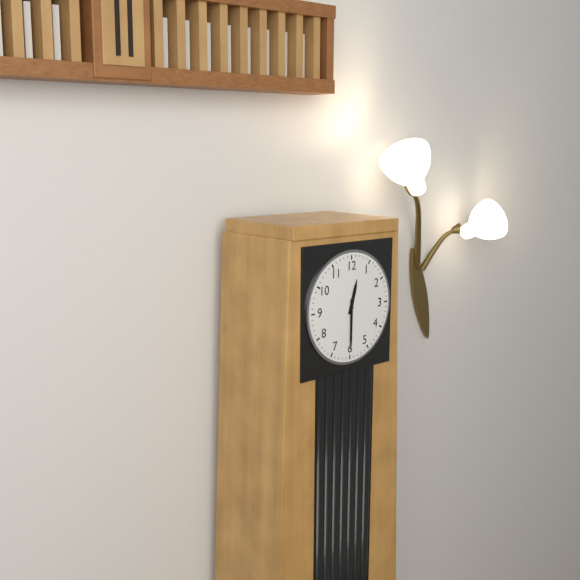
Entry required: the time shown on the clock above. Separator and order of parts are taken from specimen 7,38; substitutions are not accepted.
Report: 12,30
